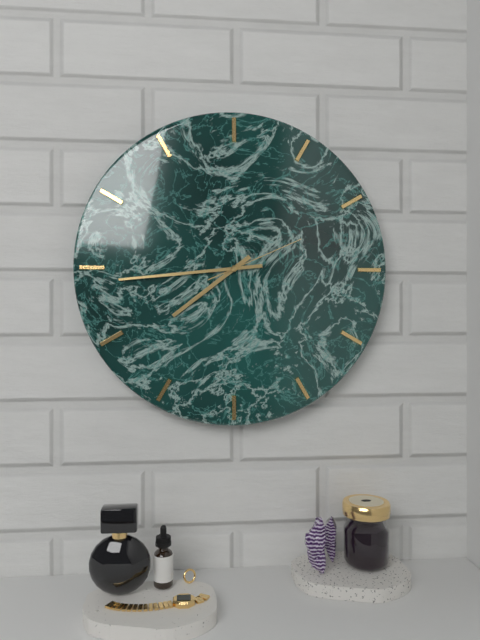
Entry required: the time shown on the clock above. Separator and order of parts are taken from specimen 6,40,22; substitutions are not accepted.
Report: 7,44,11
